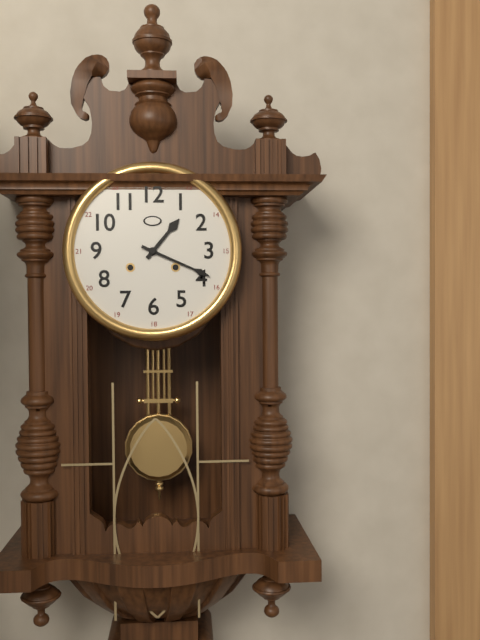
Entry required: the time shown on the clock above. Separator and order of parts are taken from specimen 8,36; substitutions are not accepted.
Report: 1,19
